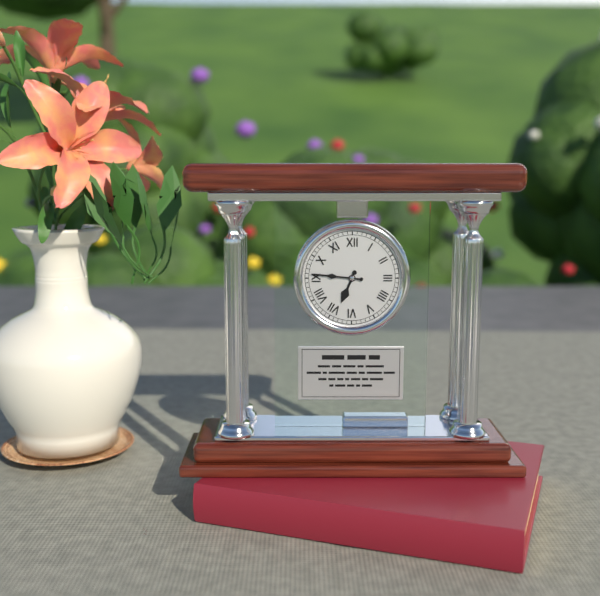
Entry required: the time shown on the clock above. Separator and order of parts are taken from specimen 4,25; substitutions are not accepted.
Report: 6,46
